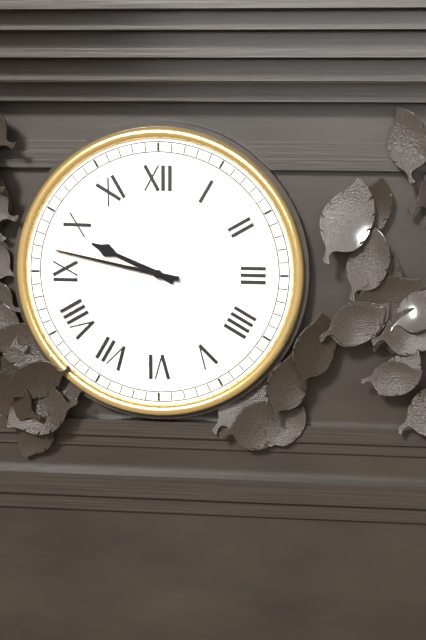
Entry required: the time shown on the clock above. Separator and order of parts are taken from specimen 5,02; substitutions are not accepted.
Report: 9,47
